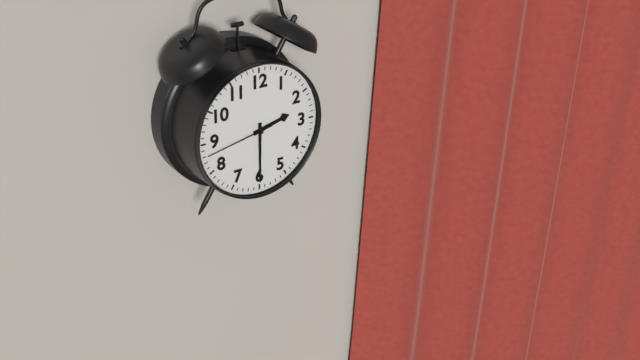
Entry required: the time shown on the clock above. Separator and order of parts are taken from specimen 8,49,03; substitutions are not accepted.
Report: 2,30,43
